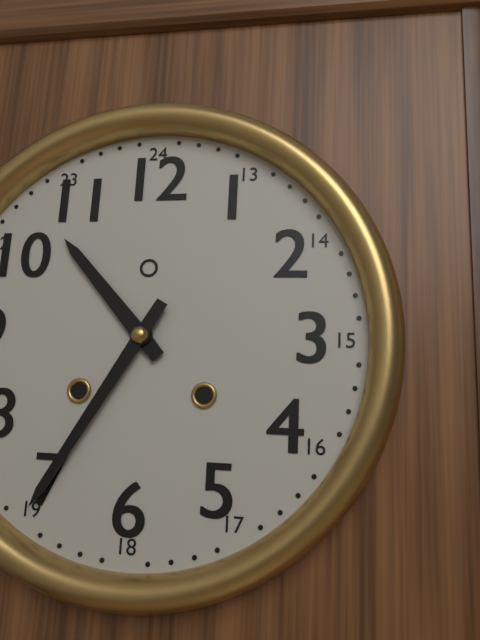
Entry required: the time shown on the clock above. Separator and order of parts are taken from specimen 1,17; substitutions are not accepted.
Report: 10,35
